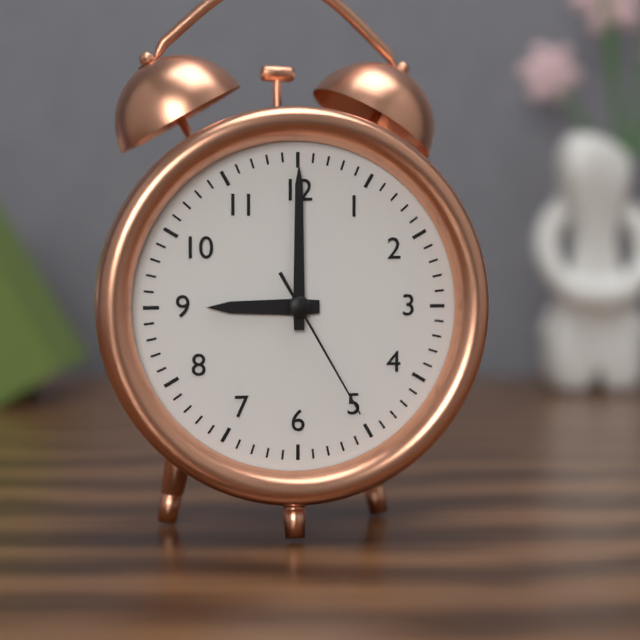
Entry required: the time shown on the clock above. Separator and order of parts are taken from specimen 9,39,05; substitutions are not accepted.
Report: 9,00,25
